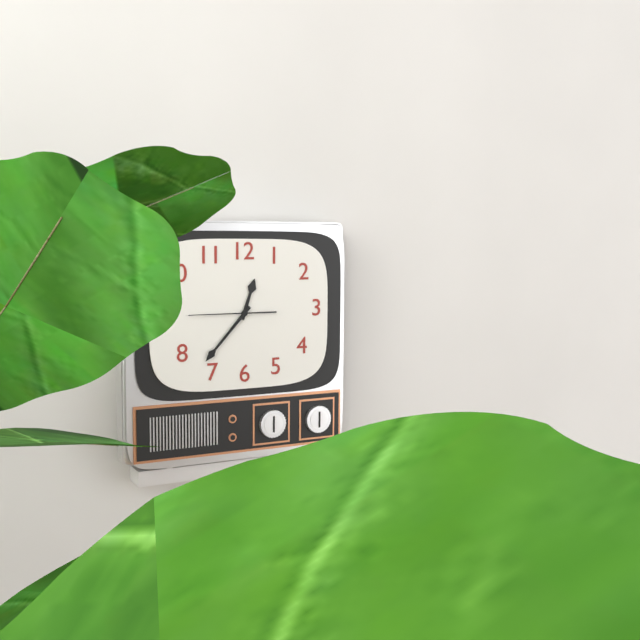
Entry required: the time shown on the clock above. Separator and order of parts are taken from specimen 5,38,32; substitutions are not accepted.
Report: 12,37,45
